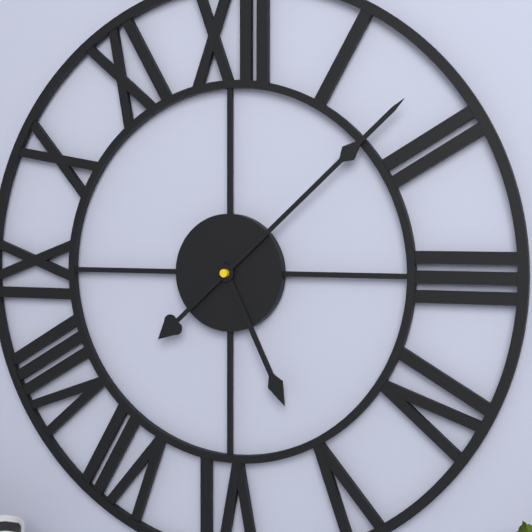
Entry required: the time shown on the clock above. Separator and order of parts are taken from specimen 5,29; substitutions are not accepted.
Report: 5,08
